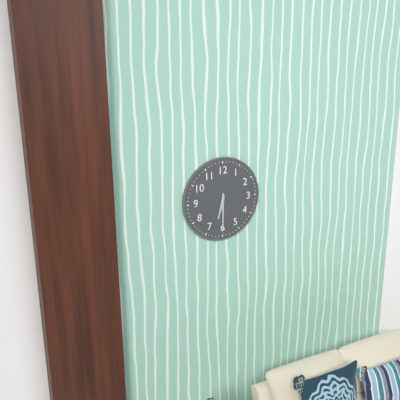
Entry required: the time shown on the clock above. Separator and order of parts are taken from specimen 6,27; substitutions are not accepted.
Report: 6,30
